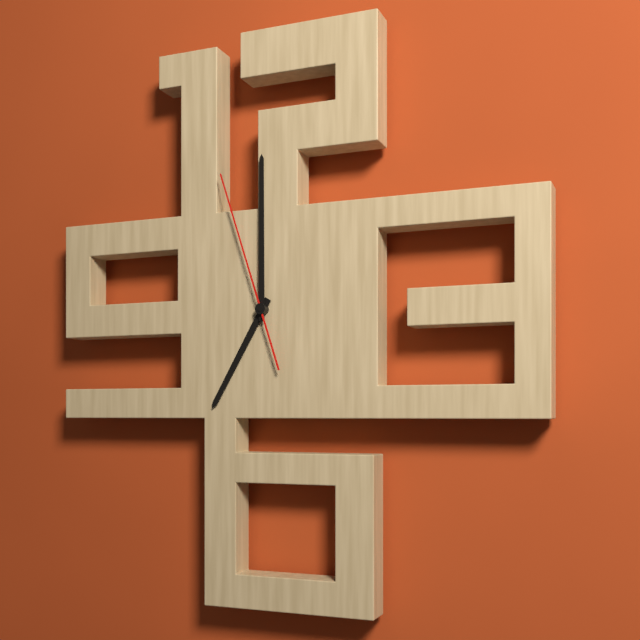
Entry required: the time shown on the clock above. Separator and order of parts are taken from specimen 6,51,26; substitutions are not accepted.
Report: 7,00,57
